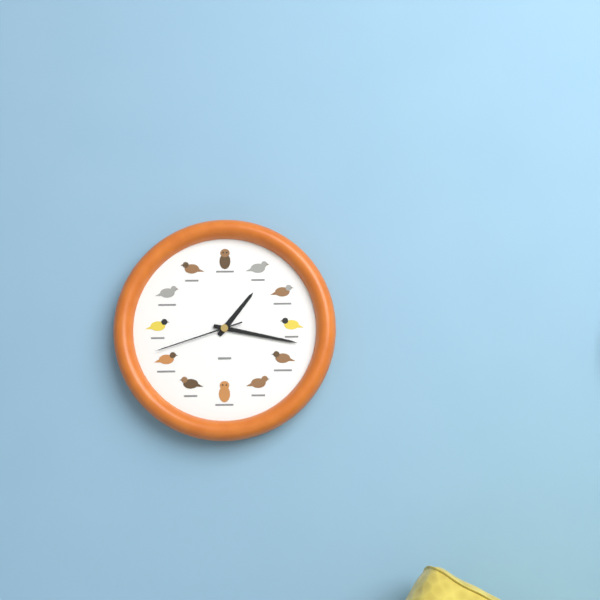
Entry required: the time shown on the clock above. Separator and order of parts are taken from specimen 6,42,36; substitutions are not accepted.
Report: 1,17,42
